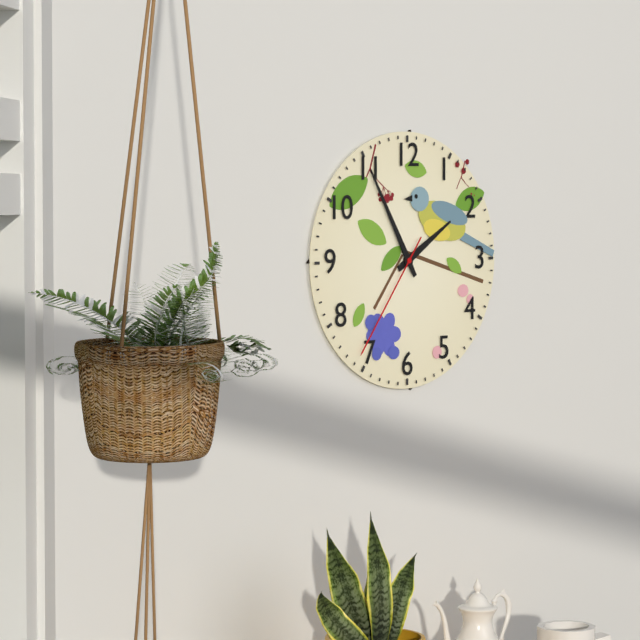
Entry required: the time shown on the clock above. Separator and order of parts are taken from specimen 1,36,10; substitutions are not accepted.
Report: 1,55,36
